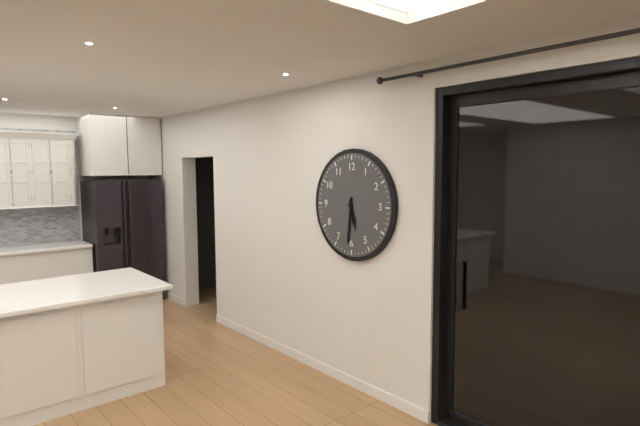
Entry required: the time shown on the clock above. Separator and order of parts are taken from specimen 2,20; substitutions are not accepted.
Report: 5,31
